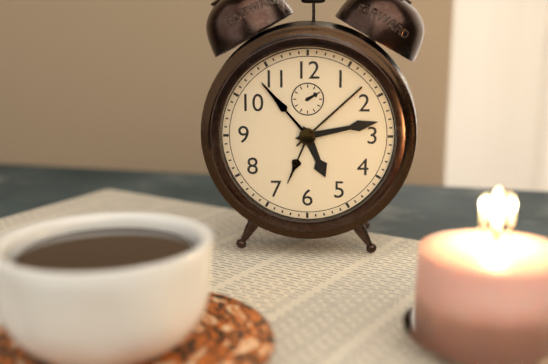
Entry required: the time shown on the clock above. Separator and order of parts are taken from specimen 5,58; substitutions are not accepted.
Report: 5,13
